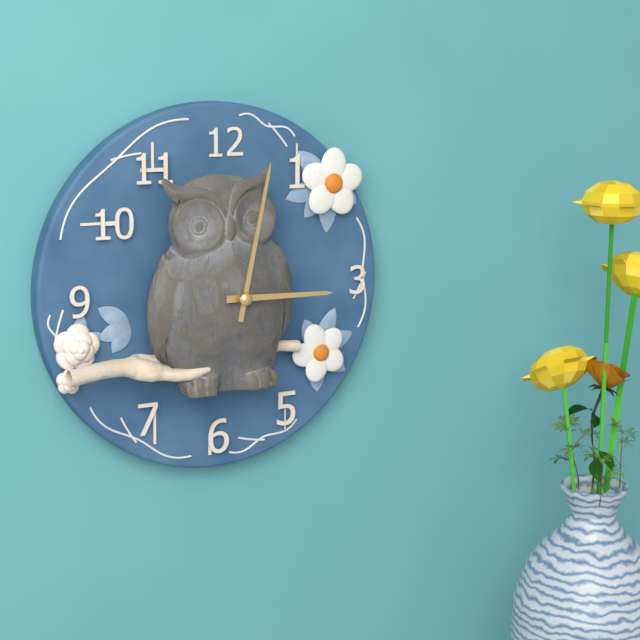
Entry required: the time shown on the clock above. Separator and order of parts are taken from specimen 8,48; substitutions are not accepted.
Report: 3,02
